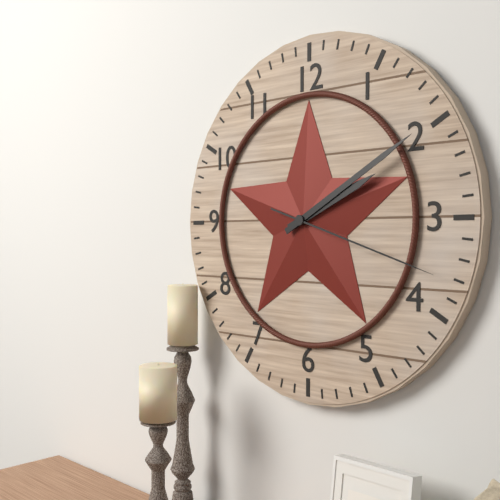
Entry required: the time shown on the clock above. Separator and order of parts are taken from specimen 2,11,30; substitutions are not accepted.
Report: 2,10,18
